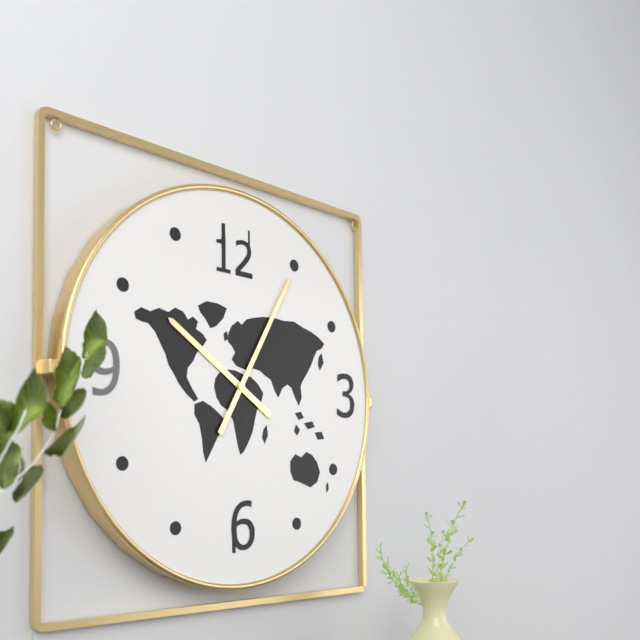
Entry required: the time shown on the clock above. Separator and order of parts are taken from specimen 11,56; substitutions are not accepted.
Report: 10,05
